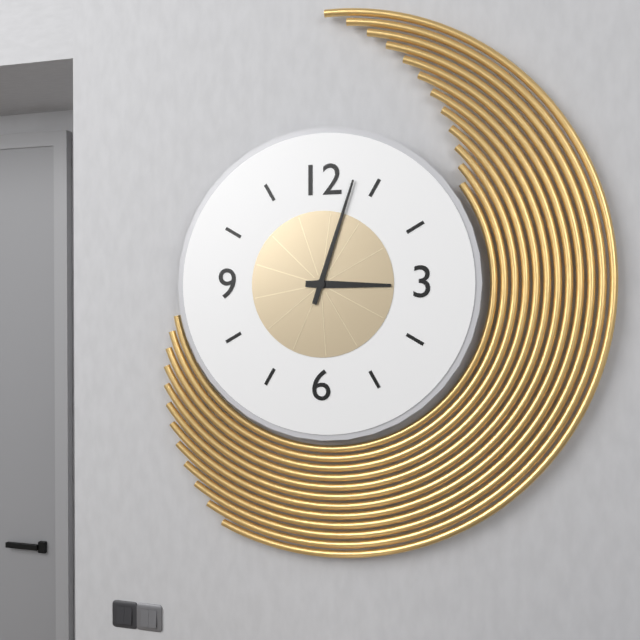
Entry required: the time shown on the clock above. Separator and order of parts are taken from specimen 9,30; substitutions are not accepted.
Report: 3,03
